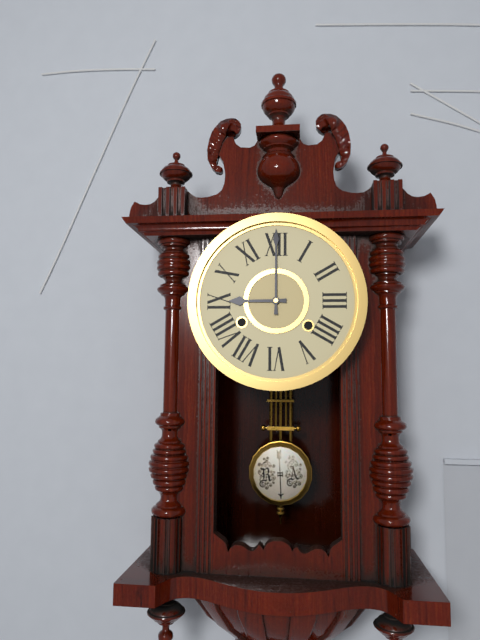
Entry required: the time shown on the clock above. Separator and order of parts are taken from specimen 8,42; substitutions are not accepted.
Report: 9,00
